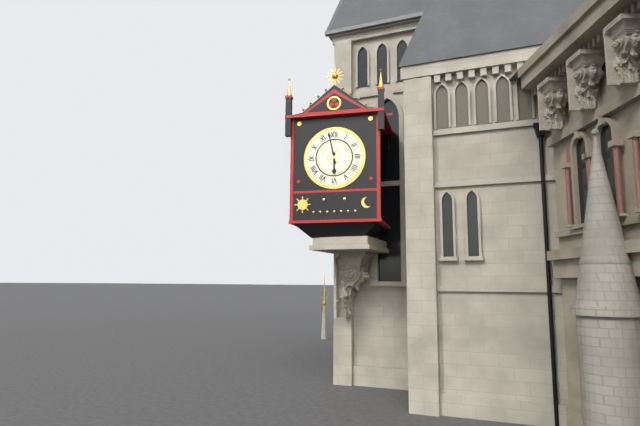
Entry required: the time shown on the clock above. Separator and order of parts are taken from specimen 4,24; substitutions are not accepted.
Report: 5,58
